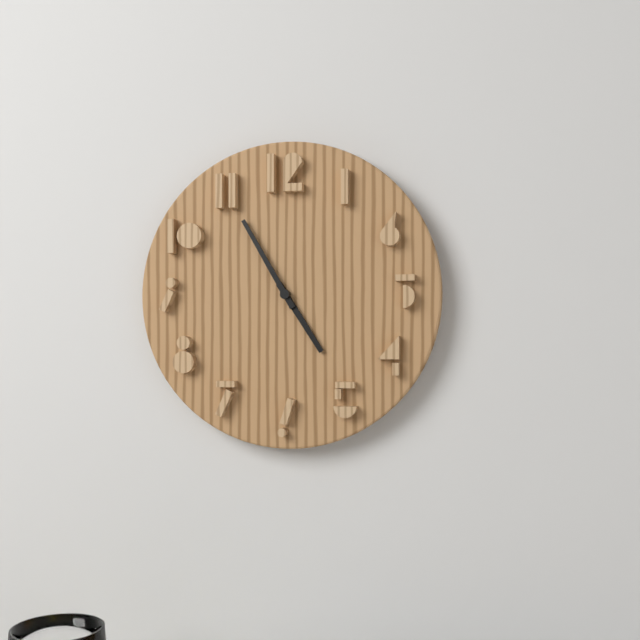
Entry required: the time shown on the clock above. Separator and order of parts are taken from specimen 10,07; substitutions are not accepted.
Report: 4,55
